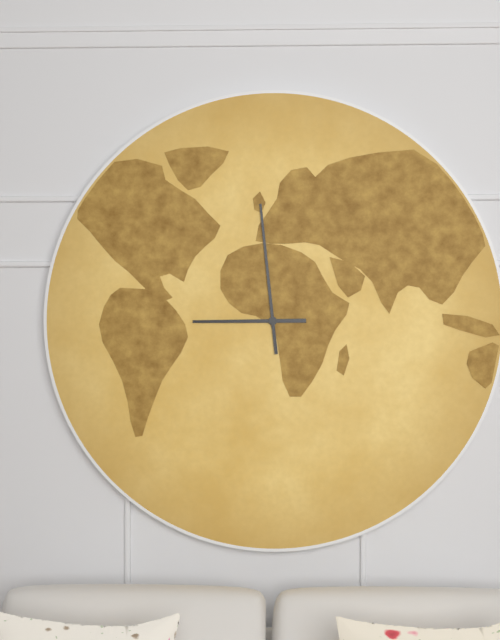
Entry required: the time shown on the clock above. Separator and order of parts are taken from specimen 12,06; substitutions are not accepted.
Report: 8,59
